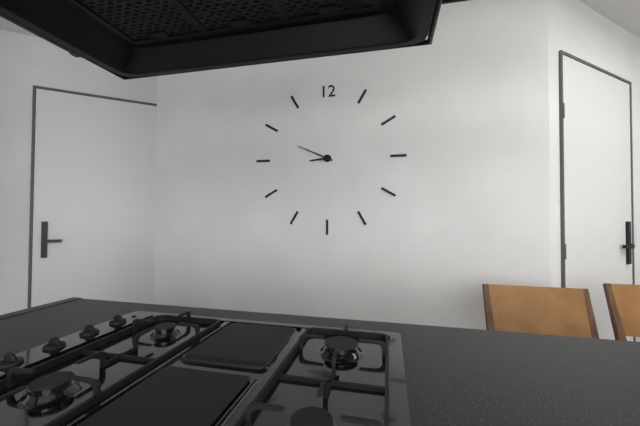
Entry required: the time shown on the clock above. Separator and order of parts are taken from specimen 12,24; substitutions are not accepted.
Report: 8,49
